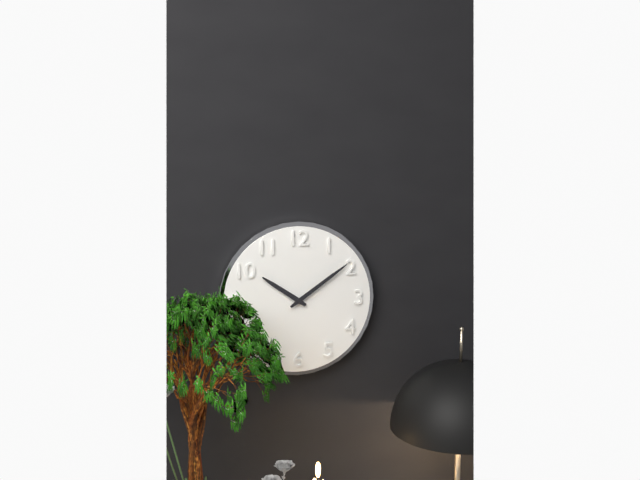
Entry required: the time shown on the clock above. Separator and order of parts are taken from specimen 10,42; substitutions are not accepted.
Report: 10,09
